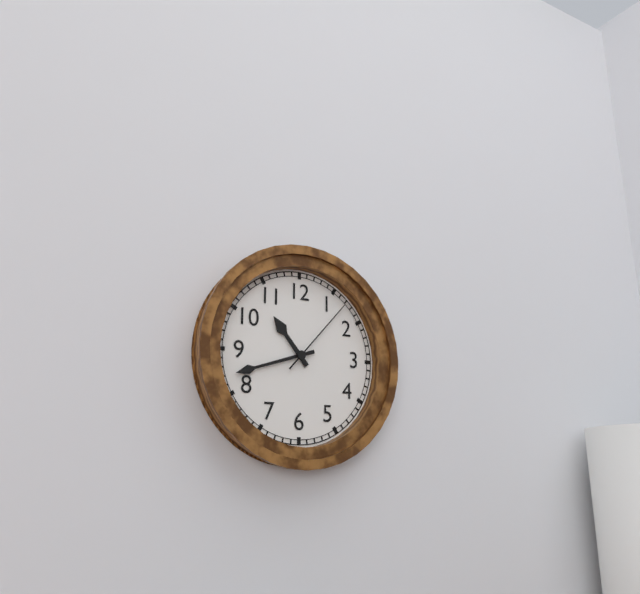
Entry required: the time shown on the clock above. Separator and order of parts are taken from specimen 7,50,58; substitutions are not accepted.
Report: 10,42,07
